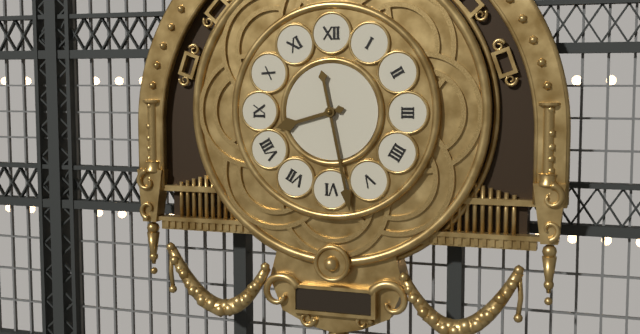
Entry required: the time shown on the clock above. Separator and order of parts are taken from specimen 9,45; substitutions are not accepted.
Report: 8,28
